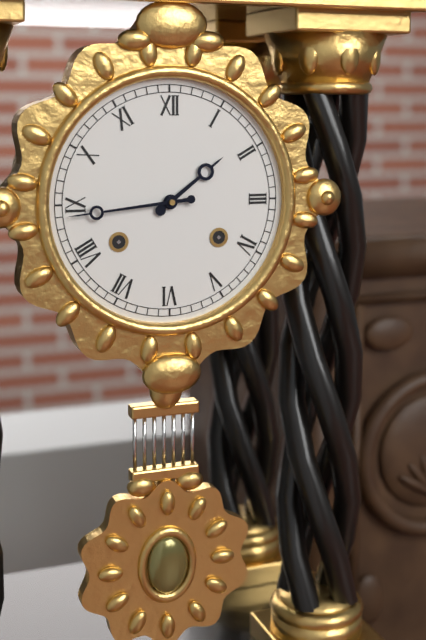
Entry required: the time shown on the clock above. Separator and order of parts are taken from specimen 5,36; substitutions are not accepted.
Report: 1,44
